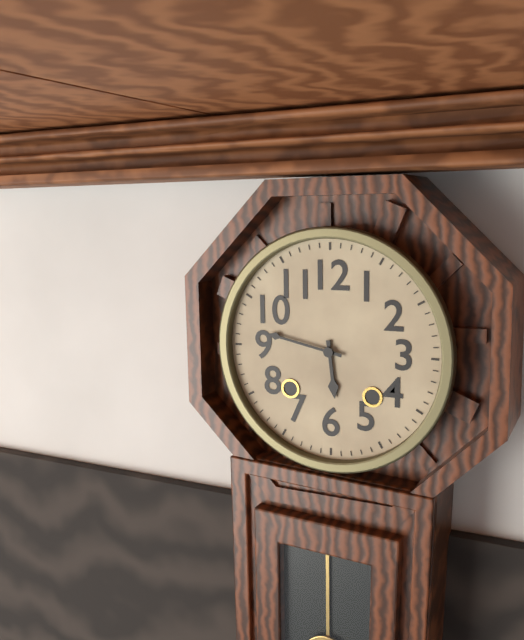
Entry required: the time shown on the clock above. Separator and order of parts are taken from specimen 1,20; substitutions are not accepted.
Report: 5,47
